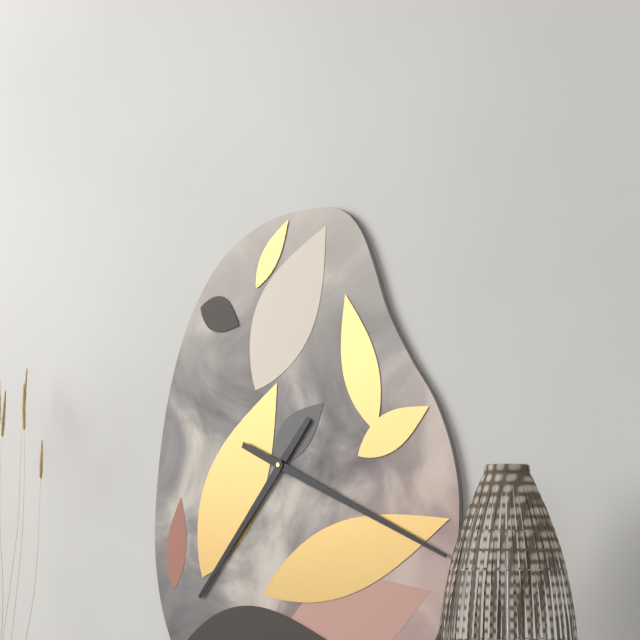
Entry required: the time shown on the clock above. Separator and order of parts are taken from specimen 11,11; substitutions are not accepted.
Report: 7,19
